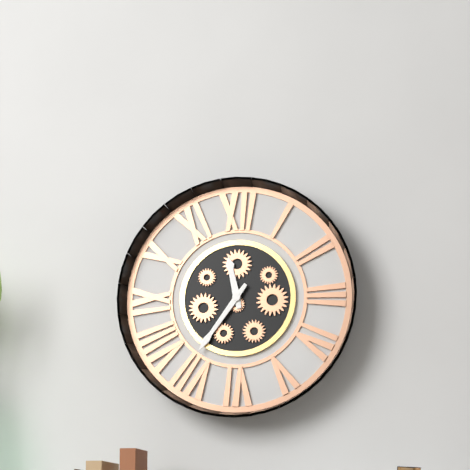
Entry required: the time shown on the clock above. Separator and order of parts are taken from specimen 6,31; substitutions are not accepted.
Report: 11,36
